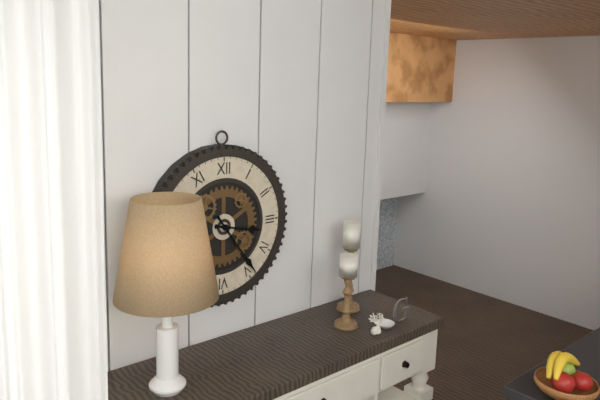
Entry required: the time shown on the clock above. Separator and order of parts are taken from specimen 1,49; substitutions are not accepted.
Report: 3,24
